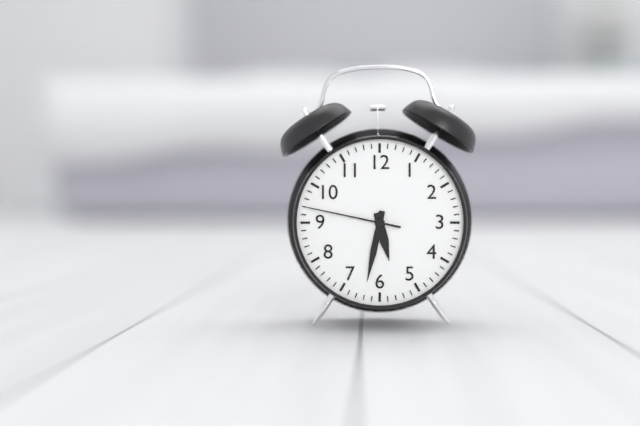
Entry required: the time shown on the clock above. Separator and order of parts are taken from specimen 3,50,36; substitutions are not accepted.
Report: 5,32,47
